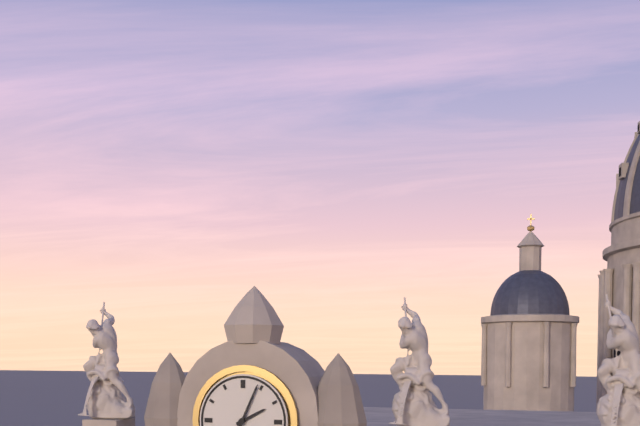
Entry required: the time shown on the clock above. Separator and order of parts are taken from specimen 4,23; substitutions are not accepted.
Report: 2,04
